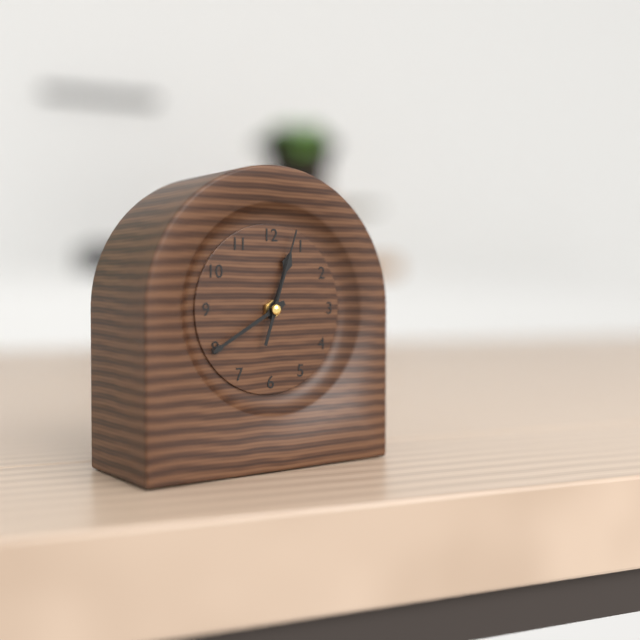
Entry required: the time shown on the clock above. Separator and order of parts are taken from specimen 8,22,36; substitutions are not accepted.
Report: 12,40,03
